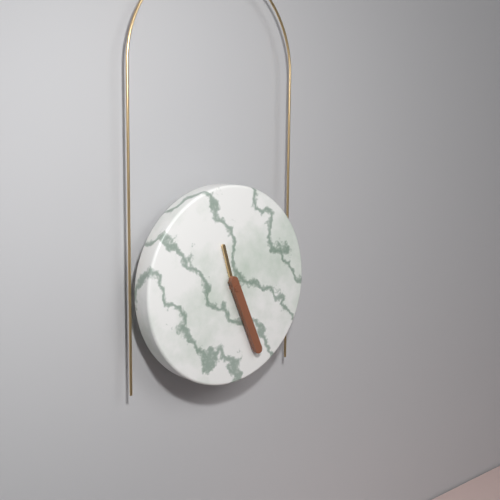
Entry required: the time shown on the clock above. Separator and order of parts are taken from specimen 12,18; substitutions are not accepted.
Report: 11,26
